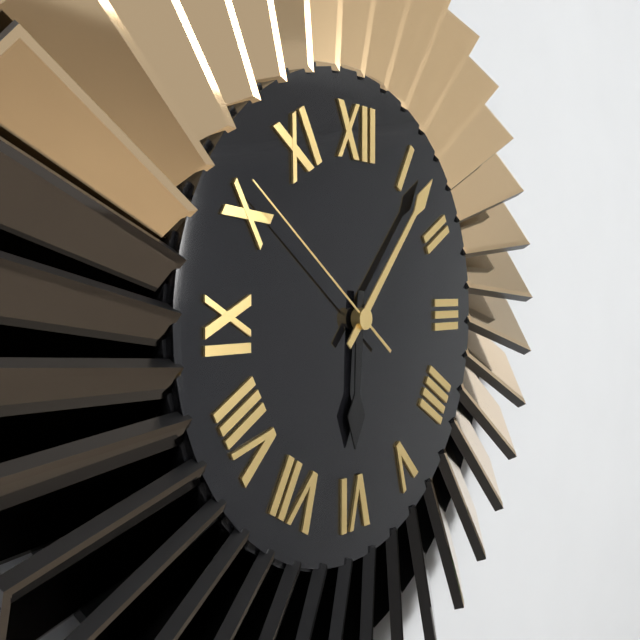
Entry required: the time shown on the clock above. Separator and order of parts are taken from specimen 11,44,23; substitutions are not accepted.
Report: 6,07,51
